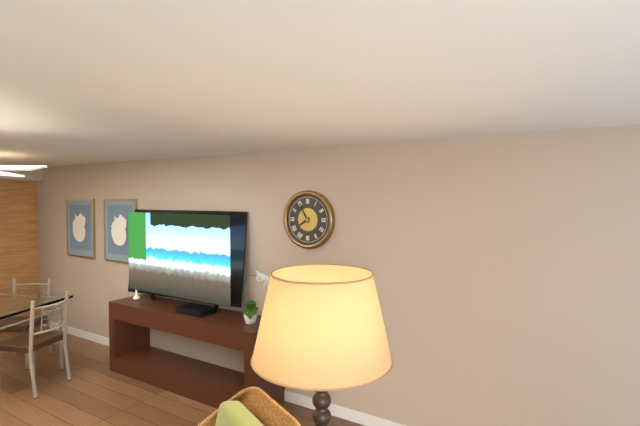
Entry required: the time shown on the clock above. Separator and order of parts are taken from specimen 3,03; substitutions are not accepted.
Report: 7,55
